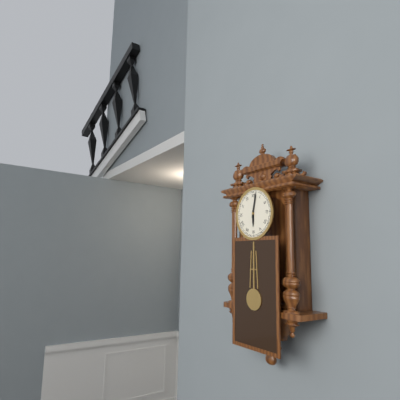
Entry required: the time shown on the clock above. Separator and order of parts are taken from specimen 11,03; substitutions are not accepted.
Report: 6,02
